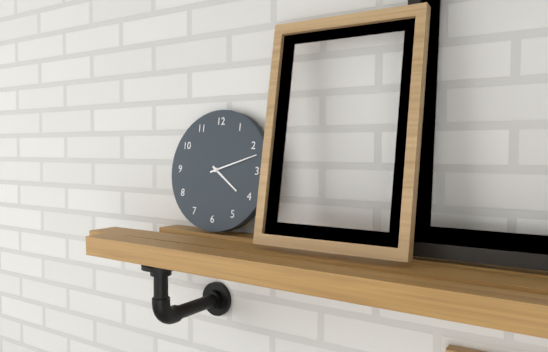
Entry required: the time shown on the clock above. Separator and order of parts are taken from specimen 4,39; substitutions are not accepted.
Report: 4,12
